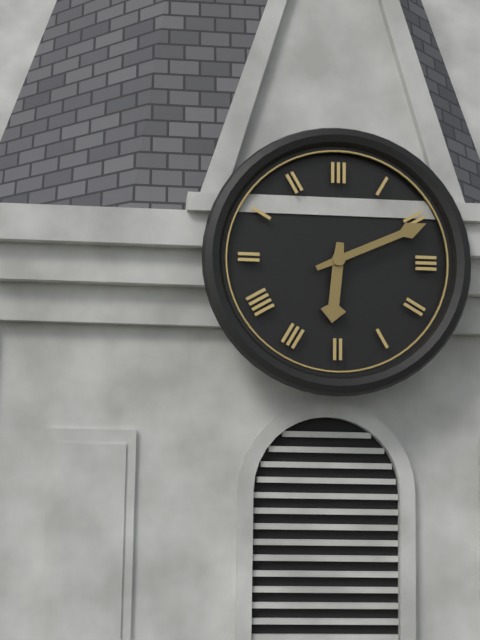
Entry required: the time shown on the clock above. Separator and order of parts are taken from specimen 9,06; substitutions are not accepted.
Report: 6,11
